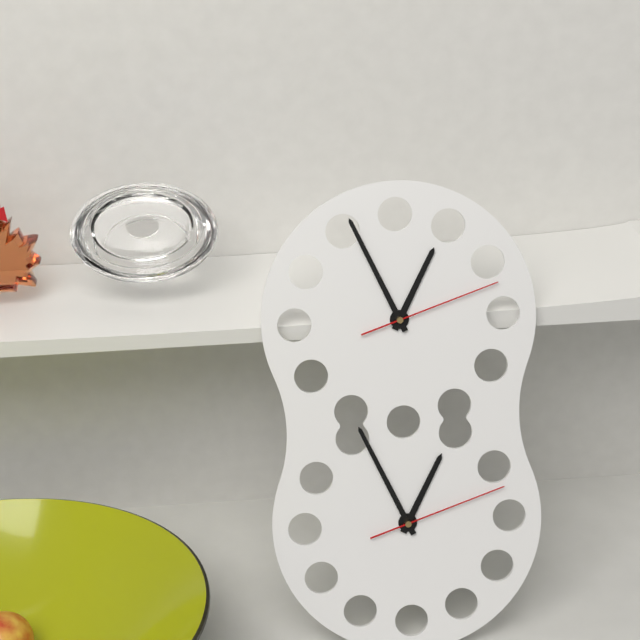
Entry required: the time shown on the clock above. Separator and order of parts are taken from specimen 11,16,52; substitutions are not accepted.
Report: 12,56,12
